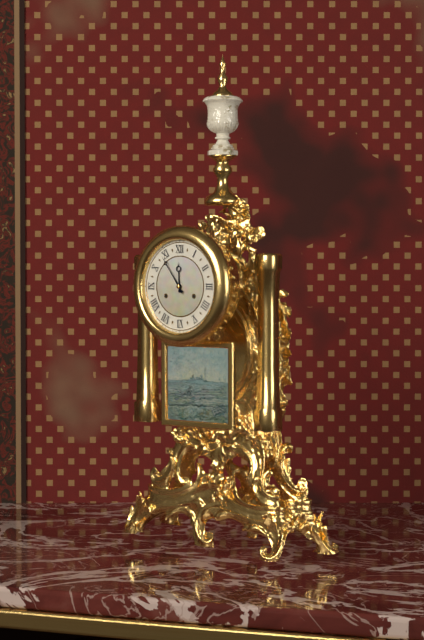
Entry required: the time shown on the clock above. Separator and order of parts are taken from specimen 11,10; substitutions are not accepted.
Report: 11,54
